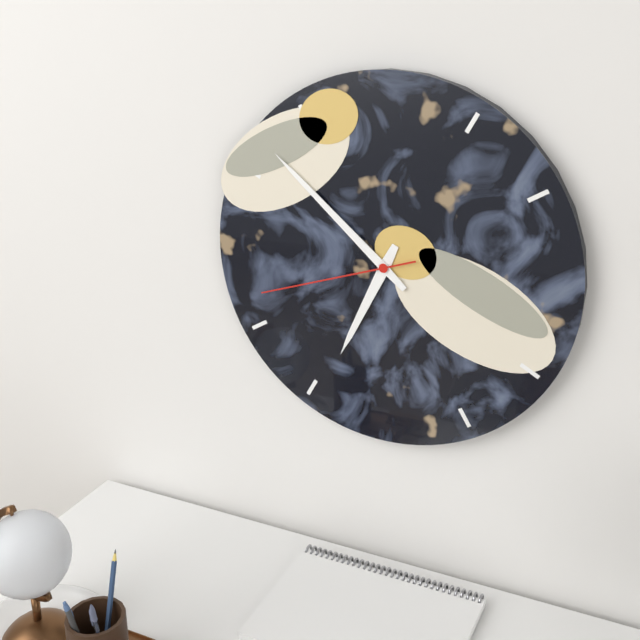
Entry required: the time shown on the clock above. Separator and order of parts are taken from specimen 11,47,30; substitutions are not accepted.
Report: 6,52,42
